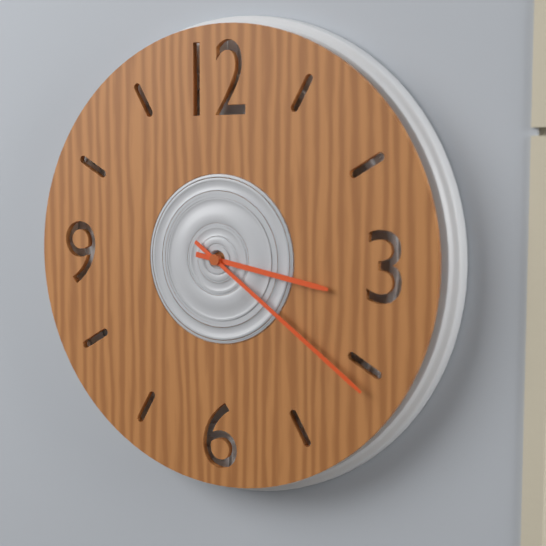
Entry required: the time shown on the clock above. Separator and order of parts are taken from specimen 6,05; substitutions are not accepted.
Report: 3,21
